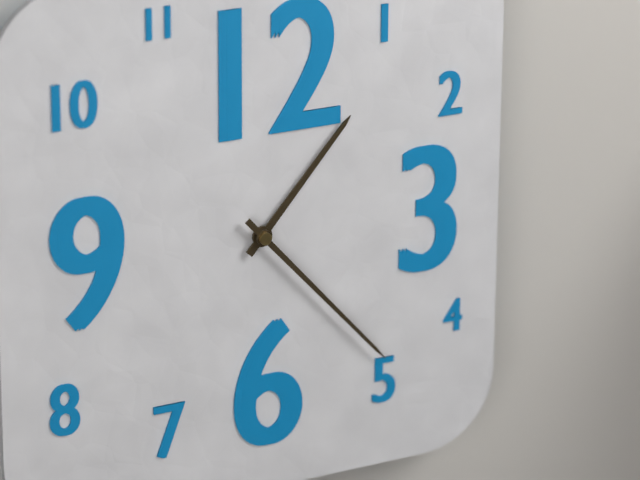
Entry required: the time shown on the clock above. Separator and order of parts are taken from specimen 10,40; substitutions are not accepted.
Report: 1,23
